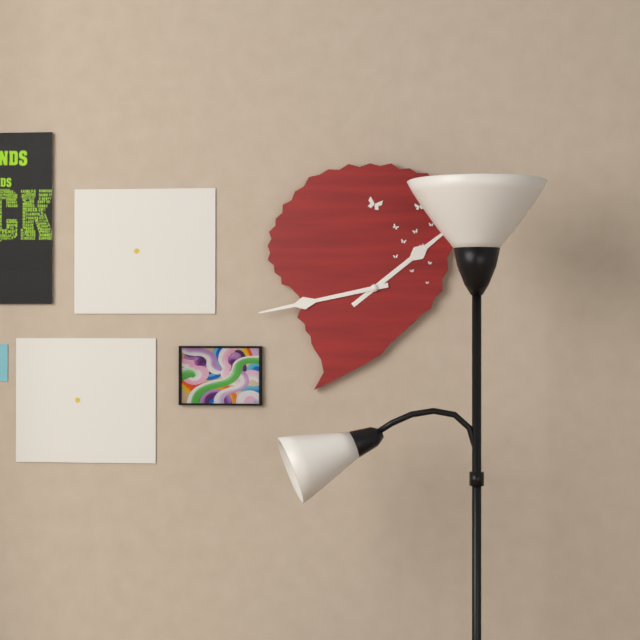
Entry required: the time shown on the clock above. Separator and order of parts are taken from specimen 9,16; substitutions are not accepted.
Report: 1,43
